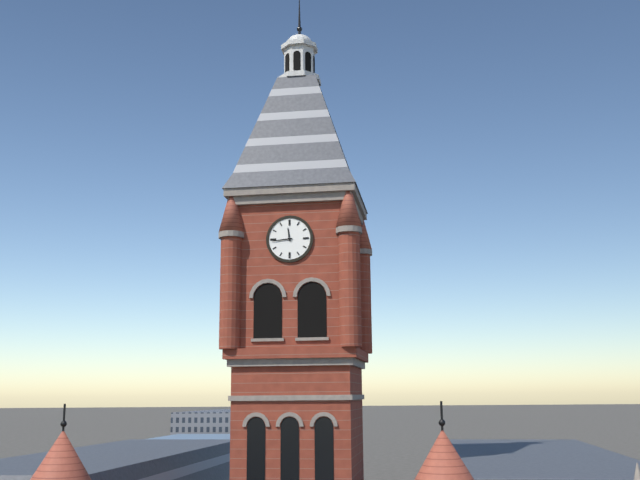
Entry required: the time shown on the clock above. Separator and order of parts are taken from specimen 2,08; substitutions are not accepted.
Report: 11,44
